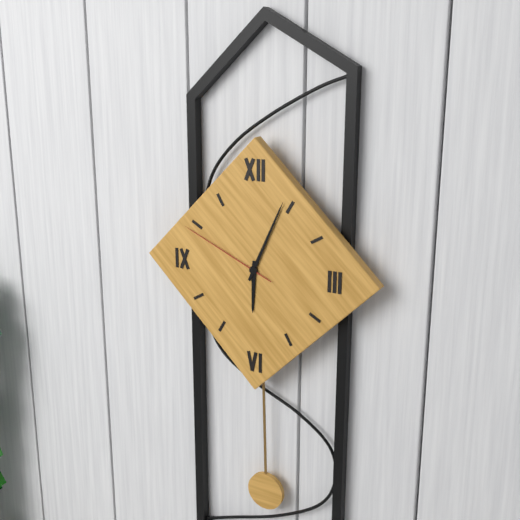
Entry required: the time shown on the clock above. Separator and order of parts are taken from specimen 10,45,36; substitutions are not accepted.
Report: 6,04,49
